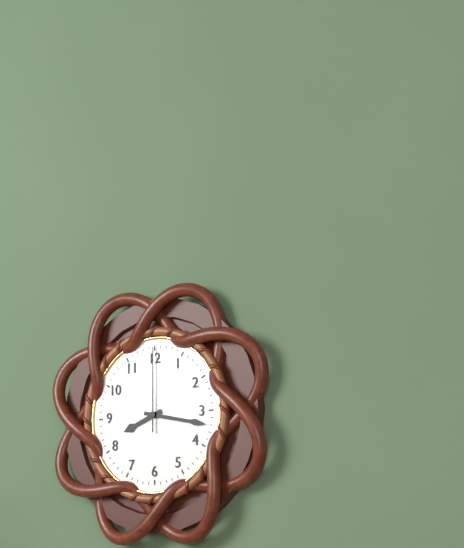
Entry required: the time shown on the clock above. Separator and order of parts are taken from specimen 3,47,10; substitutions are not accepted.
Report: 8,17,00
